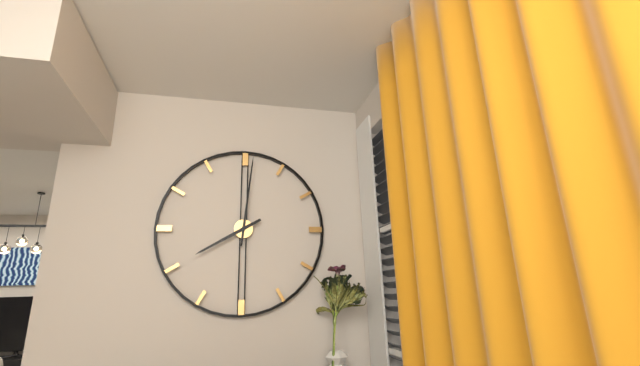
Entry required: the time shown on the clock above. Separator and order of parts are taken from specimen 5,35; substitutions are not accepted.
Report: 8,01
